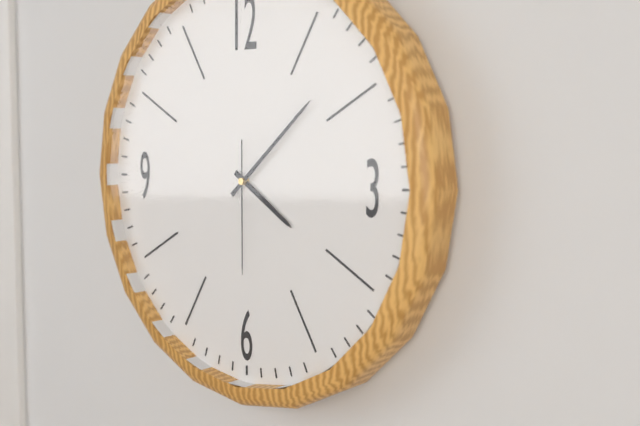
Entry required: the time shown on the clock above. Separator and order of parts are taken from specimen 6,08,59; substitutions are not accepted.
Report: 4,08,30
